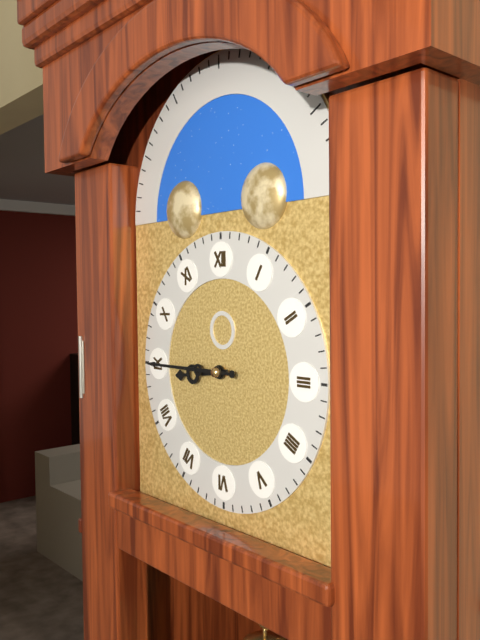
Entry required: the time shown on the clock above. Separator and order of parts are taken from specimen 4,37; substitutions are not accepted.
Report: 8,45
